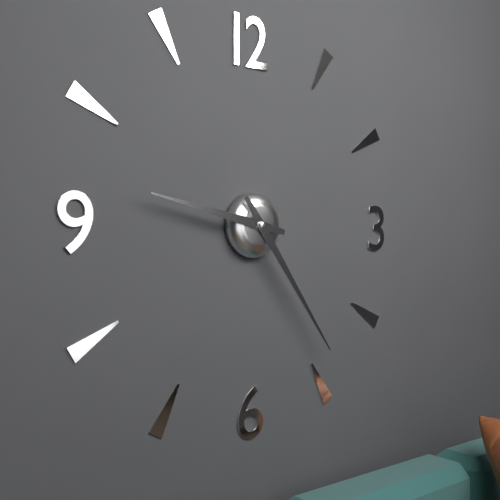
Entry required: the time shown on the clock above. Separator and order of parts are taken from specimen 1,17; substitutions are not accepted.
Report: 9,24
